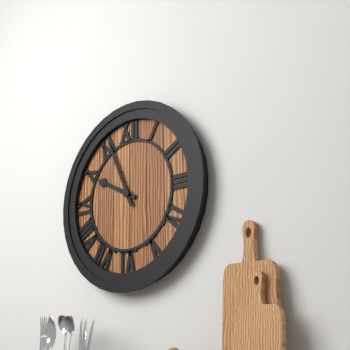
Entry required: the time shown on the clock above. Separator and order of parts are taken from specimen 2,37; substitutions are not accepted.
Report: 9,56
